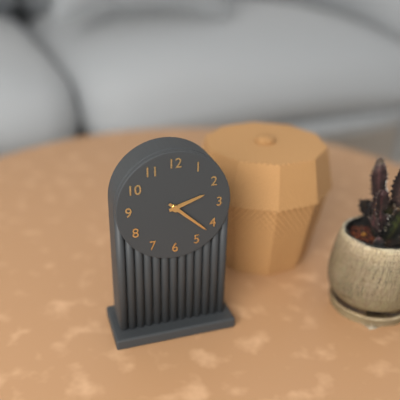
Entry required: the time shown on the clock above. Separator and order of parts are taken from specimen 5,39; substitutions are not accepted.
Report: 2,22
